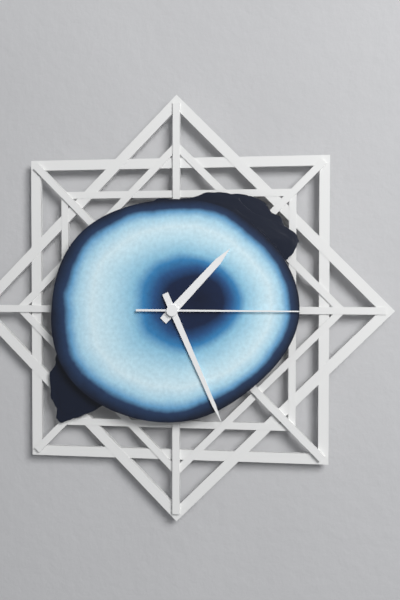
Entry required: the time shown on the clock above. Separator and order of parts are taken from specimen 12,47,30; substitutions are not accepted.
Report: 1,26,15
